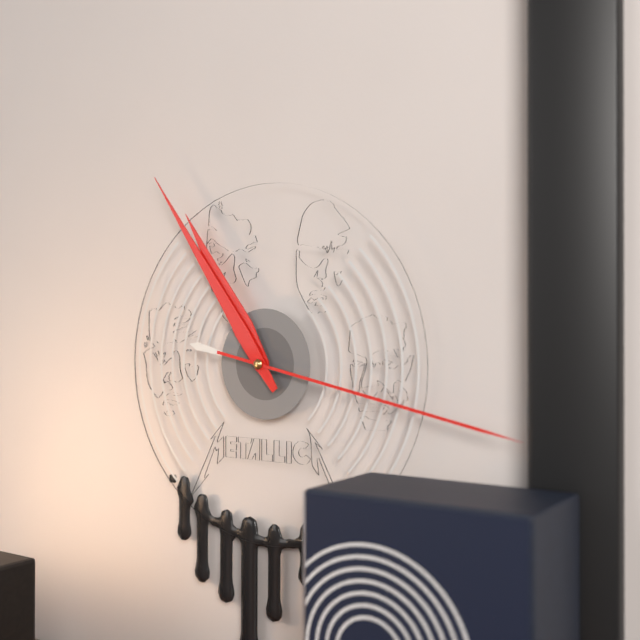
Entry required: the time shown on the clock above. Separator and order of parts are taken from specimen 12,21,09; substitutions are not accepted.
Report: 10,54,17
